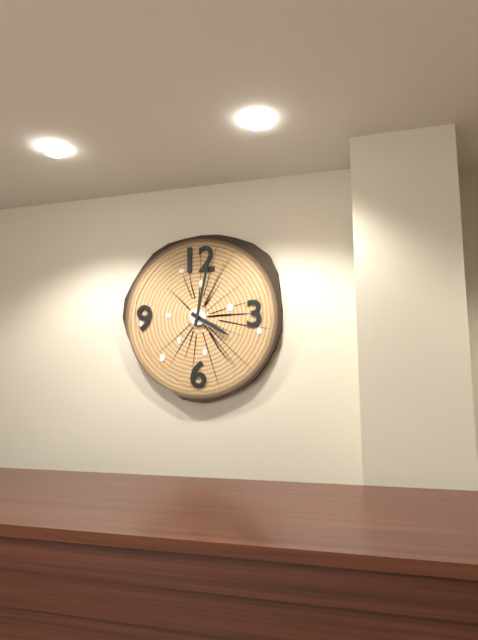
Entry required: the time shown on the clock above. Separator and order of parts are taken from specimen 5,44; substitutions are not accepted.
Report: 4,02
